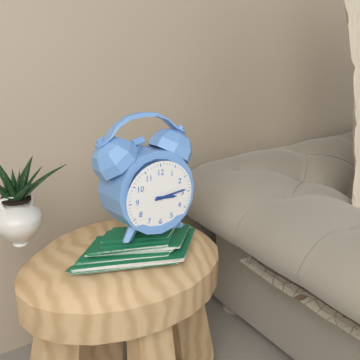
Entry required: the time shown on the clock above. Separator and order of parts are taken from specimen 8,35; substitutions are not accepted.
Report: 3,14
